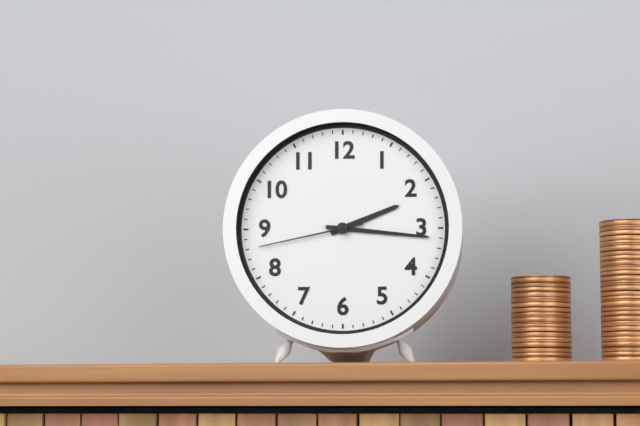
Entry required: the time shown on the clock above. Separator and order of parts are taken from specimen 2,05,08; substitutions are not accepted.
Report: 2,16,43
